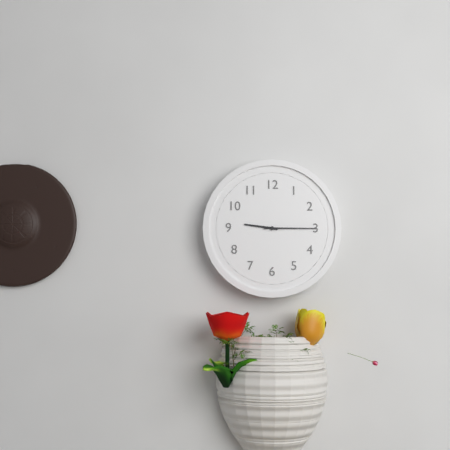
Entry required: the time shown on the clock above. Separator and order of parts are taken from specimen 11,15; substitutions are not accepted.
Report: 9,15
